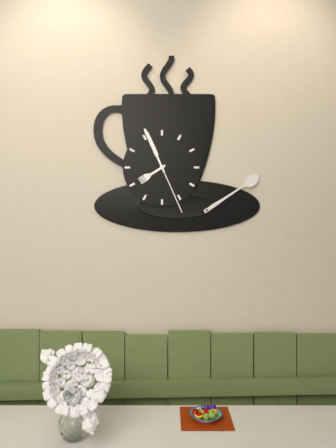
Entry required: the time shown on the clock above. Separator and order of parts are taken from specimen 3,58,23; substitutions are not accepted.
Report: 7,56,26
